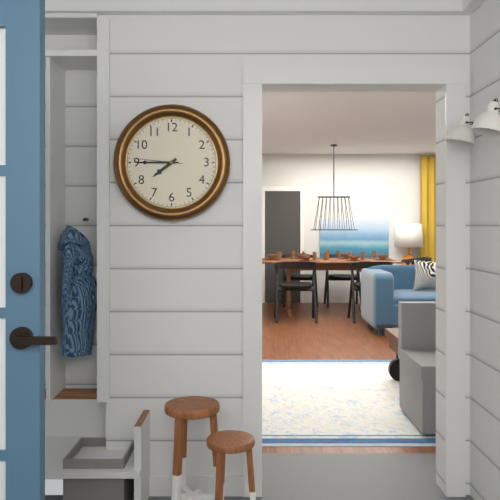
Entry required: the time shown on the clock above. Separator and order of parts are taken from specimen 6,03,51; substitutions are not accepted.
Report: 7,45,46
